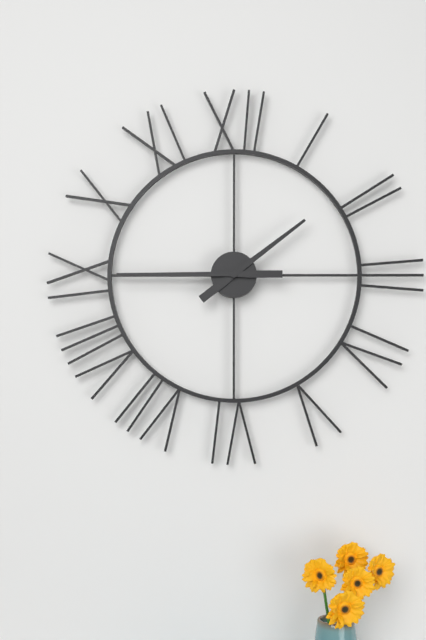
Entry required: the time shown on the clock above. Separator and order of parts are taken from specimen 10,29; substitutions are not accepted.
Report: 1,45
